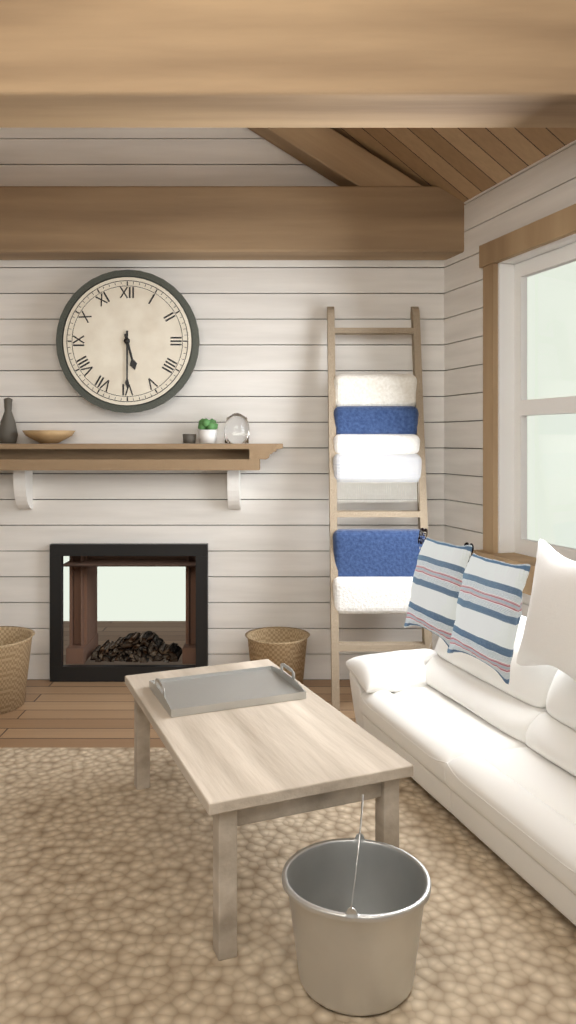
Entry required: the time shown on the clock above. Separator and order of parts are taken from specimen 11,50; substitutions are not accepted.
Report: 5,30
